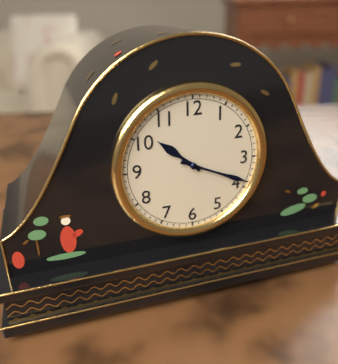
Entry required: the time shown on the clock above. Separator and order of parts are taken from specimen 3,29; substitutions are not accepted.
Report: 10,19
